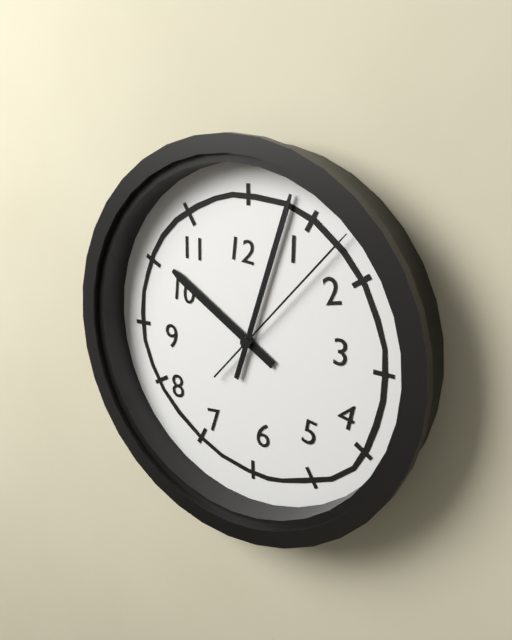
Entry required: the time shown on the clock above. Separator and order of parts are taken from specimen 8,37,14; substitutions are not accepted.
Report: 10,03,07
